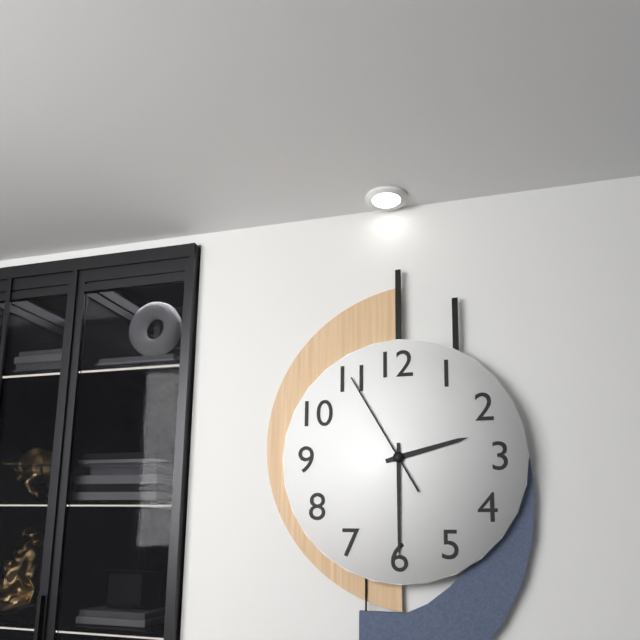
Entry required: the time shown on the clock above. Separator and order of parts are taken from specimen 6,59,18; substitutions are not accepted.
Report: 2,30,55
